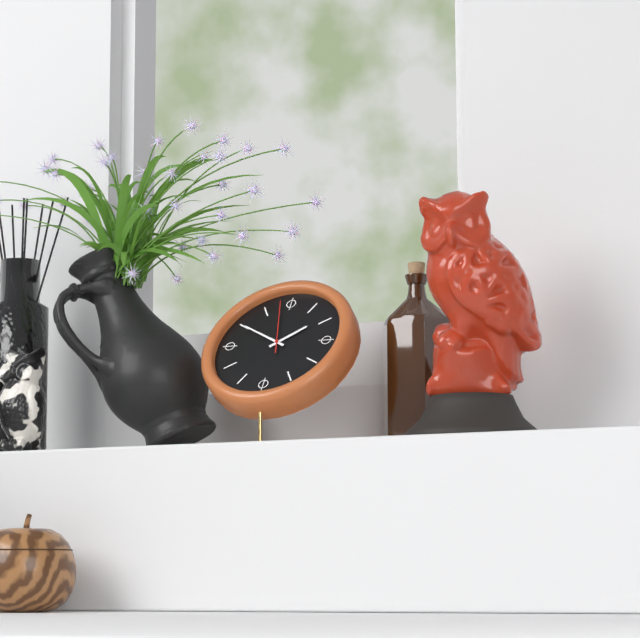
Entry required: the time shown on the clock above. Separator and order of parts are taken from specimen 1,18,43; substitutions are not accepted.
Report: 1,50,58
